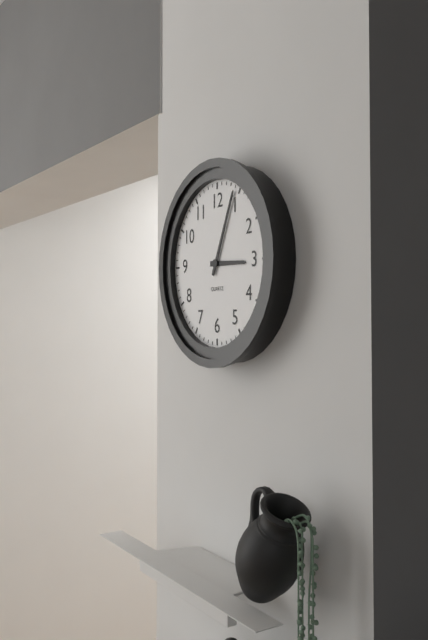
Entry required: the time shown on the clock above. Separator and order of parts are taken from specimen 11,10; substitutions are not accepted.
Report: 3,04
